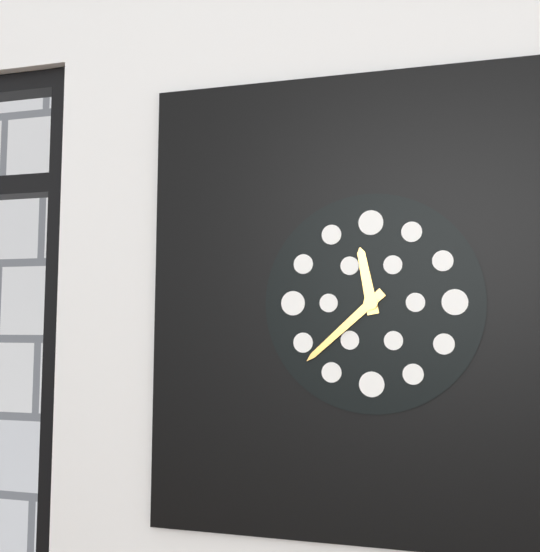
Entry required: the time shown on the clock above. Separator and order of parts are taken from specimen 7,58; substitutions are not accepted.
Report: 11,38
